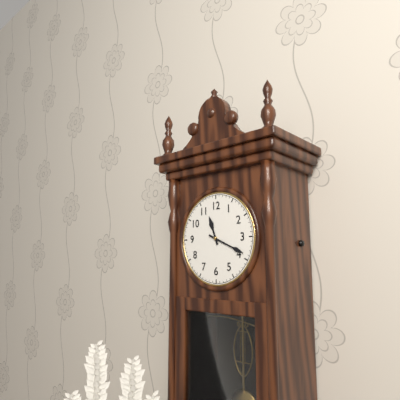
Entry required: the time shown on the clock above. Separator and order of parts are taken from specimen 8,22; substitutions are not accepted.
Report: 11,19
